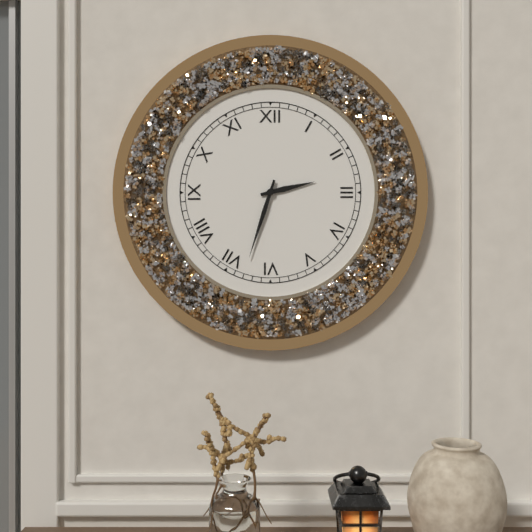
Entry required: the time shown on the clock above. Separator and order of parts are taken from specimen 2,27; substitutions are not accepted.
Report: 2,33
